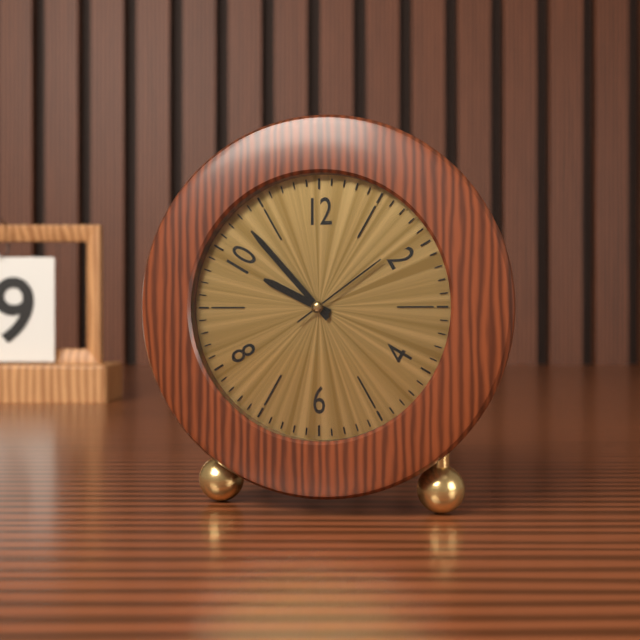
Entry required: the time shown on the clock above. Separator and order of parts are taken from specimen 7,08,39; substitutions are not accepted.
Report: 9,53,09
